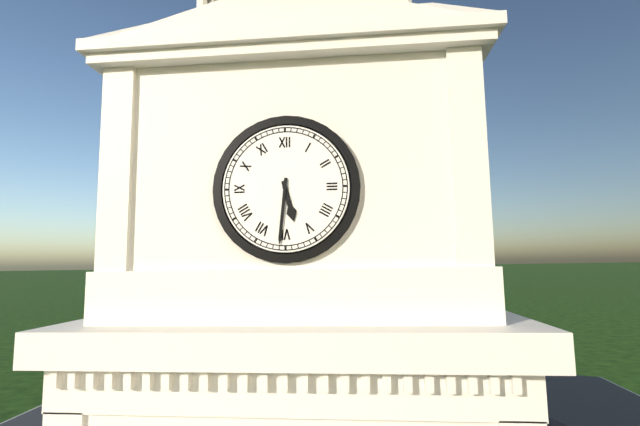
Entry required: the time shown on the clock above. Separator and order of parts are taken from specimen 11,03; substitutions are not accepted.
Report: 5,31
